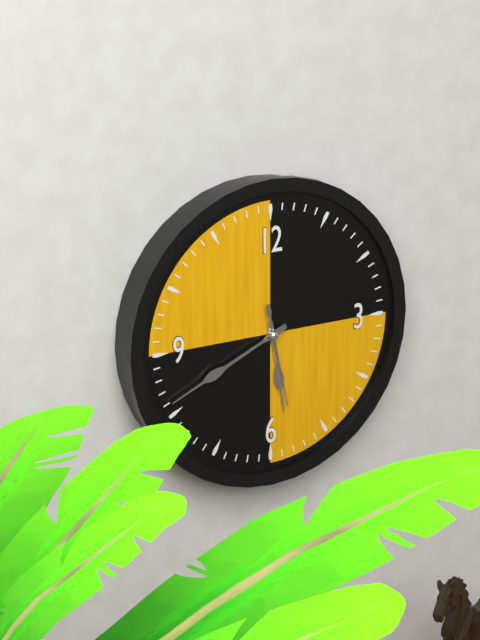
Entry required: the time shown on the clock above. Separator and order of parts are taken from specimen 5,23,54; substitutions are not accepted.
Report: 5,41,28
